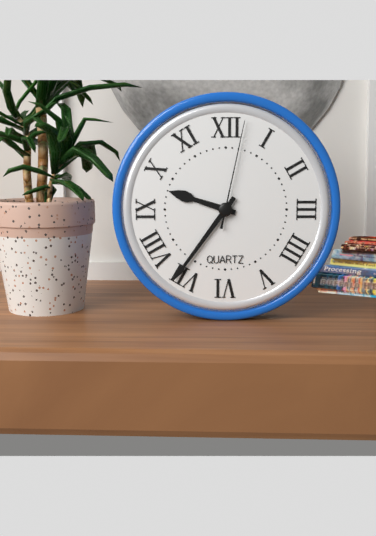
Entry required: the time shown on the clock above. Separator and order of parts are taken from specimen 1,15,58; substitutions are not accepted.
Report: 9,36,02
